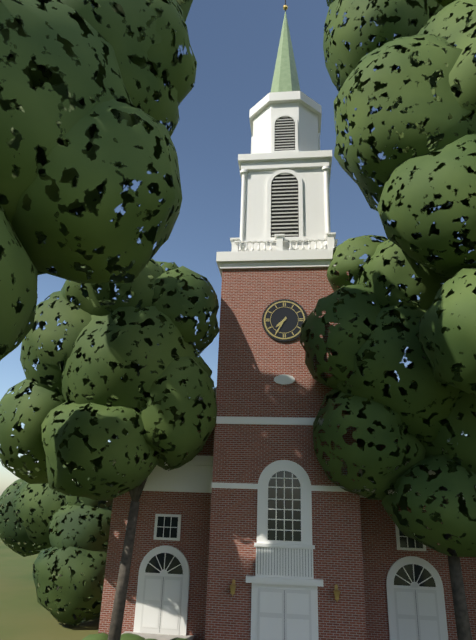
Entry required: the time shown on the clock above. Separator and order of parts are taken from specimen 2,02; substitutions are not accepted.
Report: 7,35
